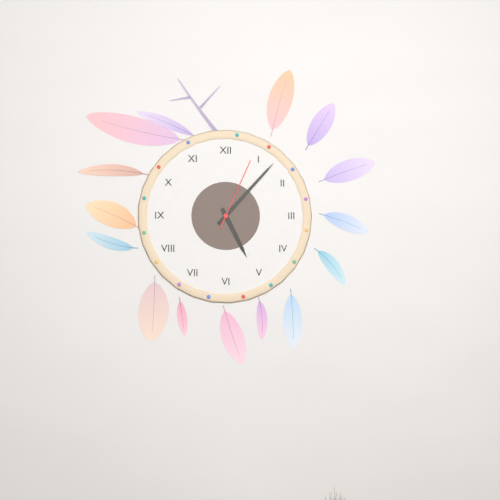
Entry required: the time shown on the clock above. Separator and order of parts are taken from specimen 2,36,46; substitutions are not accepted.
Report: 5,07,04
